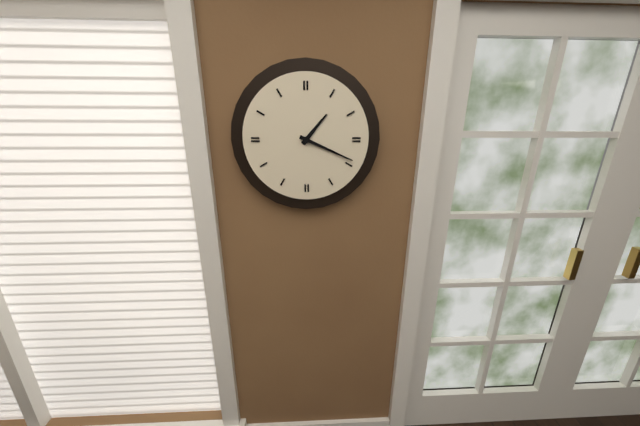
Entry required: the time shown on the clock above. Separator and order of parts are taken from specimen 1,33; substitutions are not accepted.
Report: 1,19
